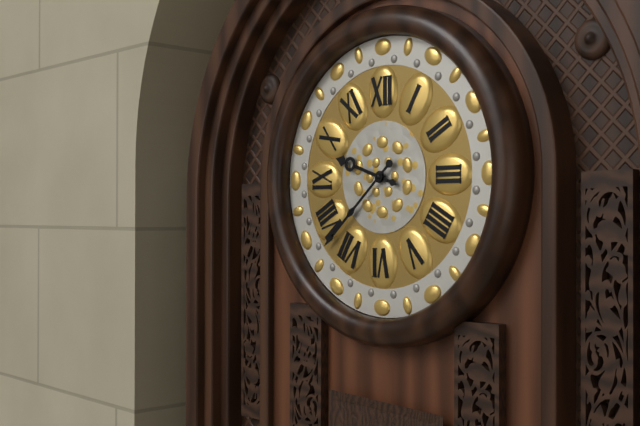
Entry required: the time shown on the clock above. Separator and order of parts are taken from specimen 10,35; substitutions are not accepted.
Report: 9,38
